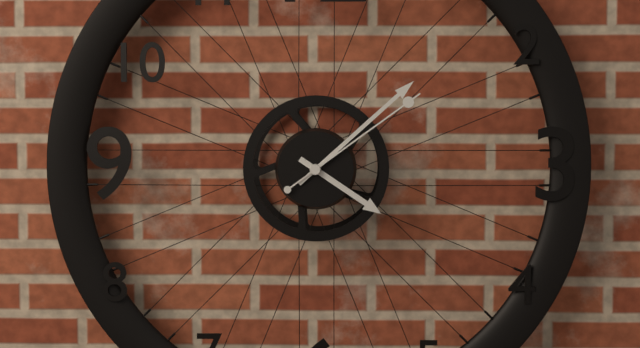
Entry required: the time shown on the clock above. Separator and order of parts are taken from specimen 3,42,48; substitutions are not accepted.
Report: 4,08,09
